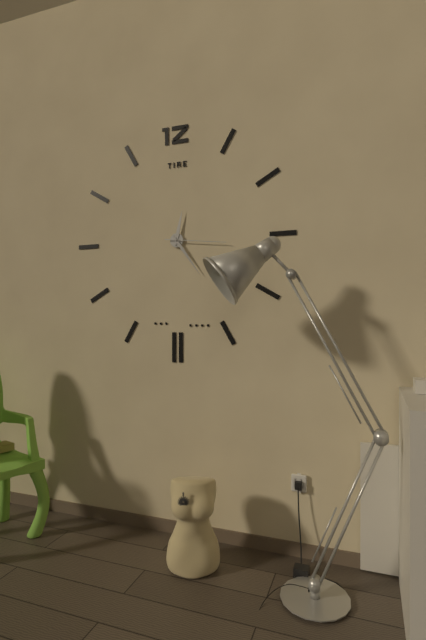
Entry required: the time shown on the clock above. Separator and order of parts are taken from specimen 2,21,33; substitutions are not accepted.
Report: 12,24,16
